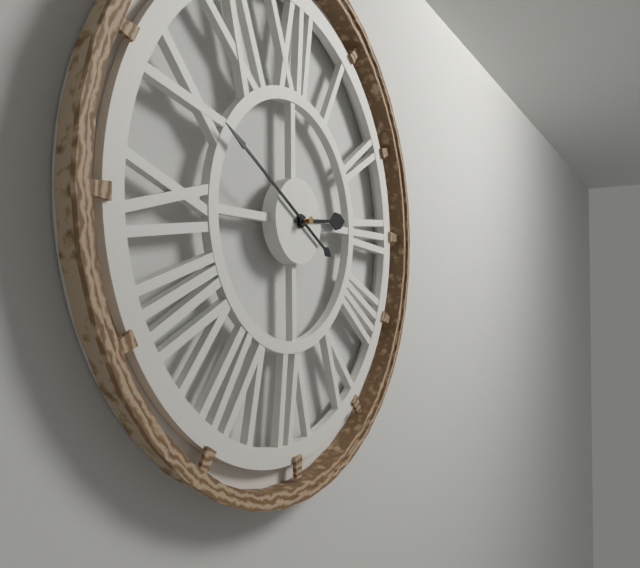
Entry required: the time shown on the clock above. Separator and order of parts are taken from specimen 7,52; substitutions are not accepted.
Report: 2,50
